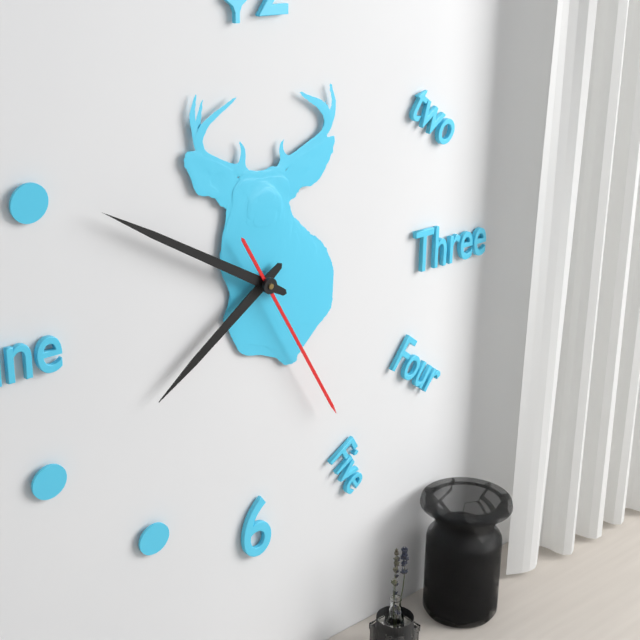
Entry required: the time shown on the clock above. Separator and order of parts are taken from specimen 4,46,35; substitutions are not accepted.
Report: 7,50,25
